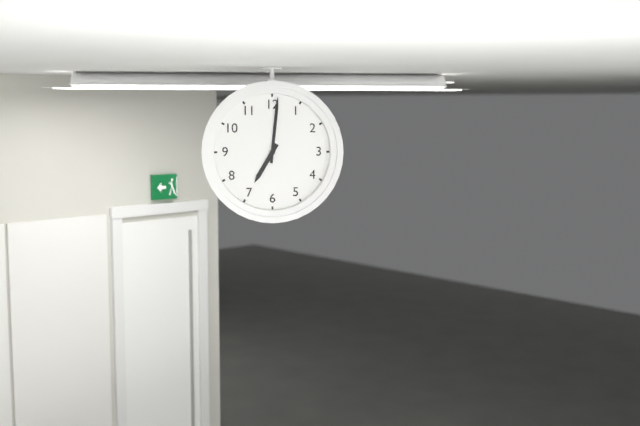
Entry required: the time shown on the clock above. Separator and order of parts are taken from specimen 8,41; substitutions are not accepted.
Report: 7,01
